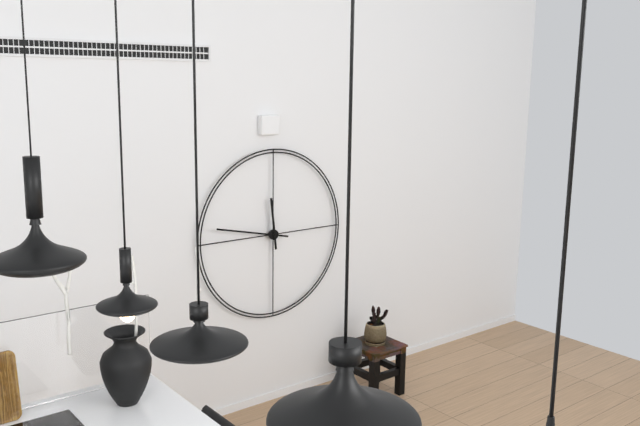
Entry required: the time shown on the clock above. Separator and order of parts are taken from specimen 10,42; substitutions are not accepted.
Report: 11,47
